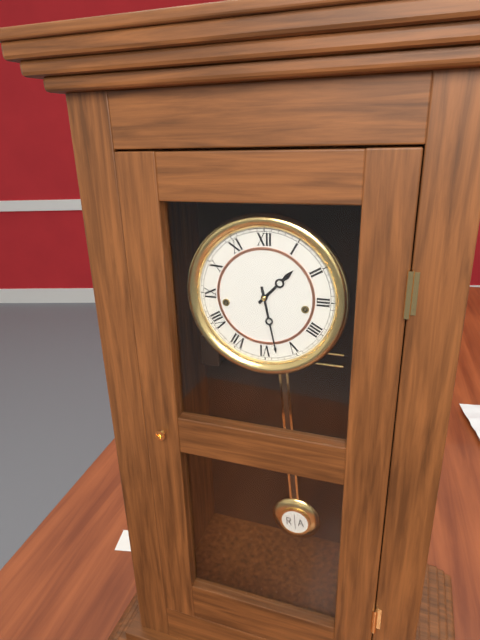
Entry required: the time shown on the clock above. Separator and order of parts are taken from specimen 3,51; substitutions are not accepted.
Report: 1,28
